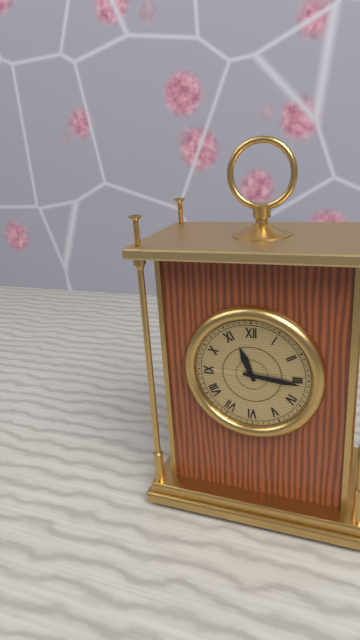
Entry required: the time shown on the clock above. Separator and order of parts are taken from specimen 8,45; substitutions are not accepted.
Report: 11,16
